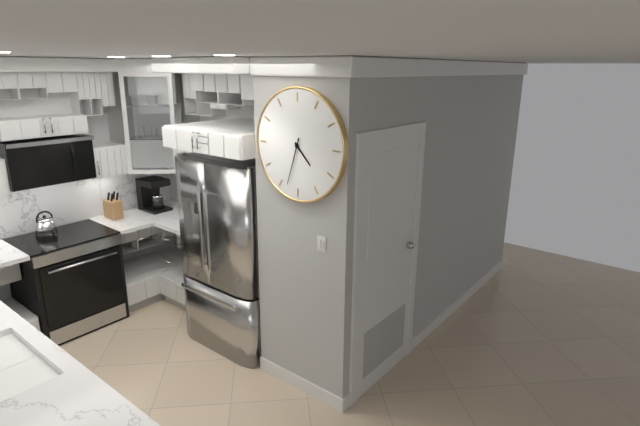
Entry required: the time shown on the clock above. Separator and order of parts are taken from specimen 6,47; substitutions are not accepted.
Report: 4,33
